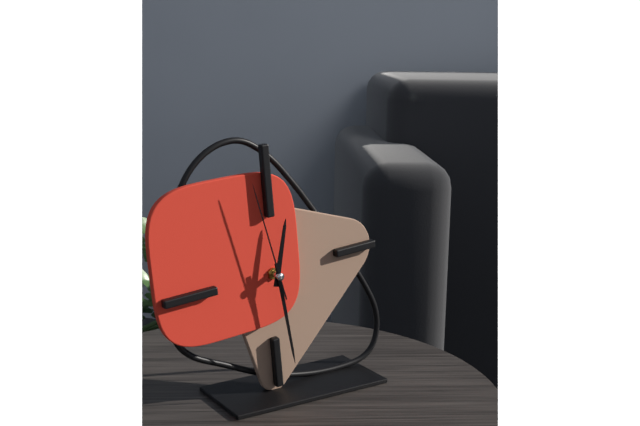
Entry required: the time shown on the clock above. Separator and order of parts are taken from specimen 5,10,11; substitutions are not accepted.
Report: 12,29,58
